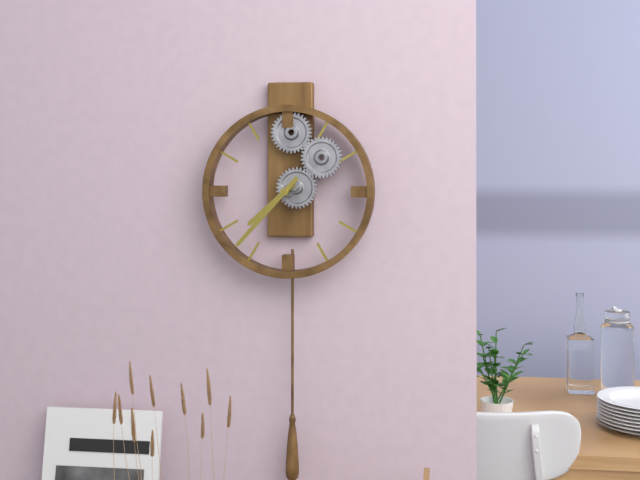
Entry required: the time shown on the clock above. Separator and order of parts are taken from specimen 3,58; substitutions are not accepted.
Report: 7,37
